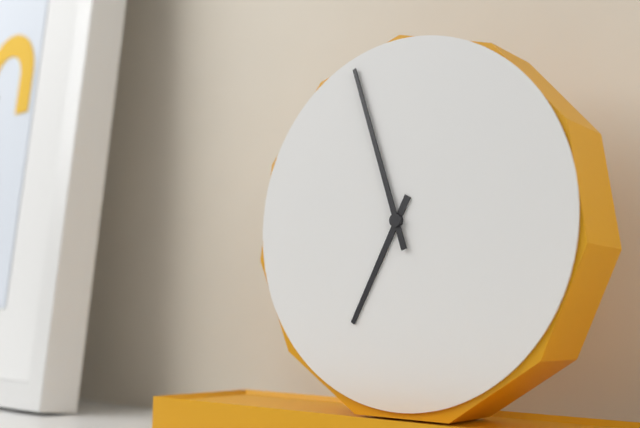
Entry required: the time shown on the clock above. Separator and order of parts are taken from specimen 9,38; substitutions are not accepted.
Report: 6,57
